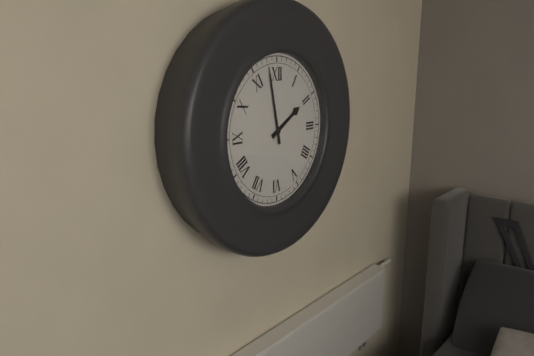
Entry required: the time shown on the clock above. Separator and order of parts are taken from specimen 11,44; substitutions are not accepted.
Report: 1,58
